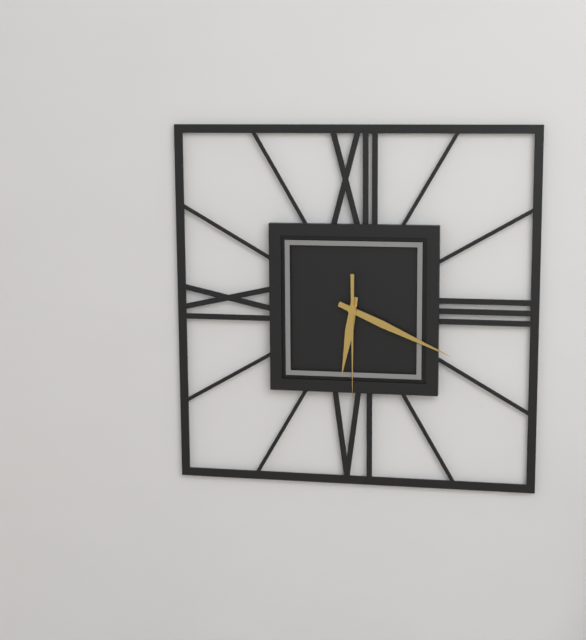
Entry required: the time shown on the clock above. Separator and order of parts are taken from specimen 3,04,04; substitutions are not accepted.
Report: 6,19,30
